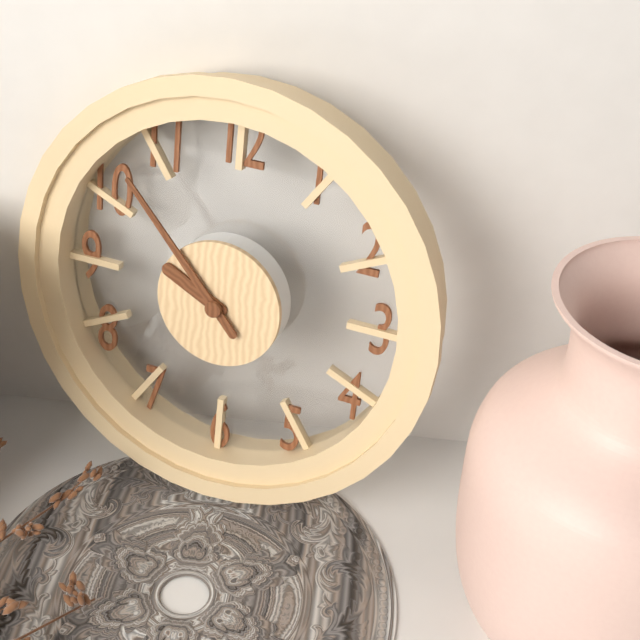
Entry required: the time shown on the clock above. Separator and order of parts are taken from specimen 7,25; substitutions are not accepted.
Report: 9,53
